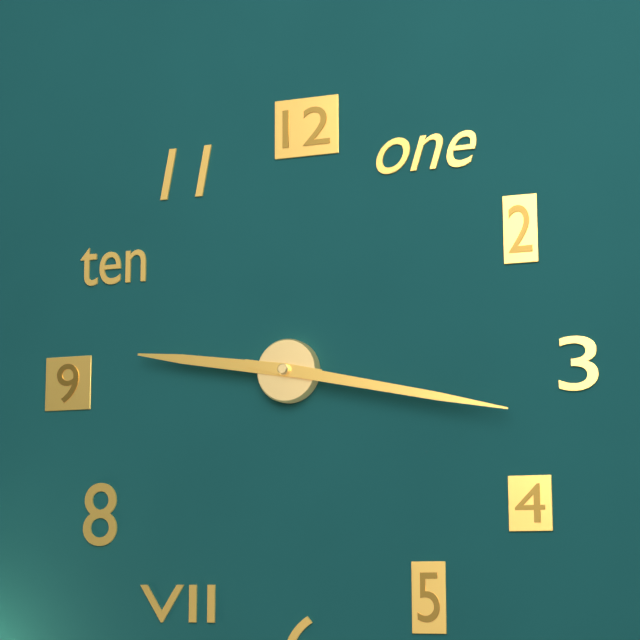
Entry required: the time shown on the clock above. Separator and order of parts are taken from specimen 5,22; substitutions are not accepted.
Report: 9,17
